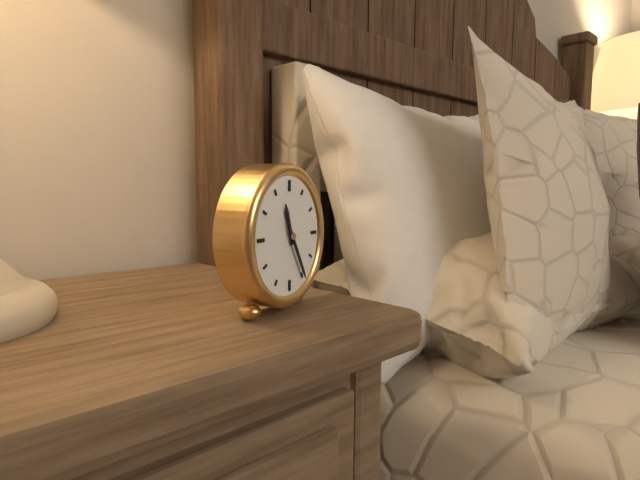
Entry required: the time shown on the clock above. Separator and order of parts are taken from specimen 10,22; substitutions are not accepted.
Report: 11,25
